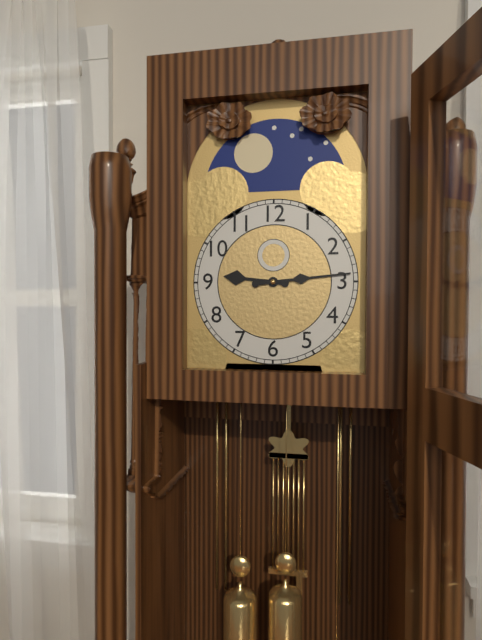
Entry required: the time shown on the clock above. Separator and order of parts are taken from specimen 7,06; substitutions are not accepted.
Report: 9,14
